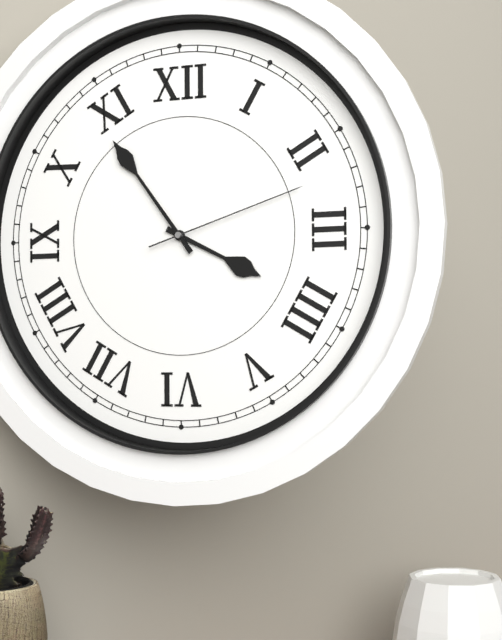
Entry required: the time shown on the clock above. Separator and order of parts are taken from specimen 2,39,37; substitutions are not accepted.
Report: 3,54,12
